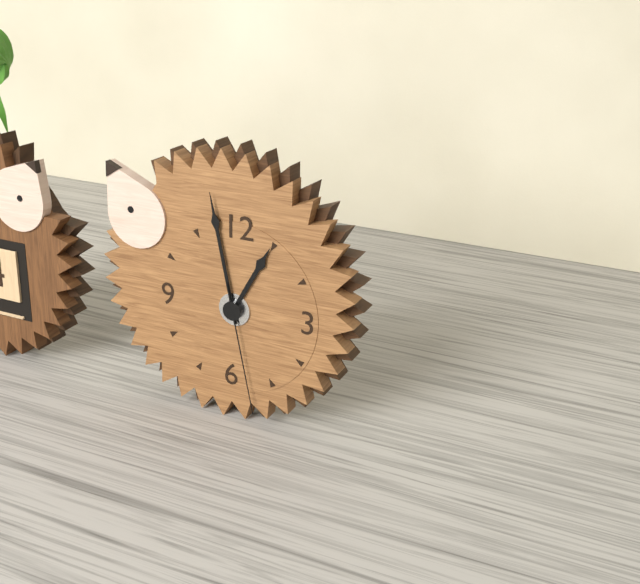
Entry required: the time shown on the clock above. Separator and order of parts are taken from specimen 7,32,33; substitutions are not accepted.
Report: 12,58,28
